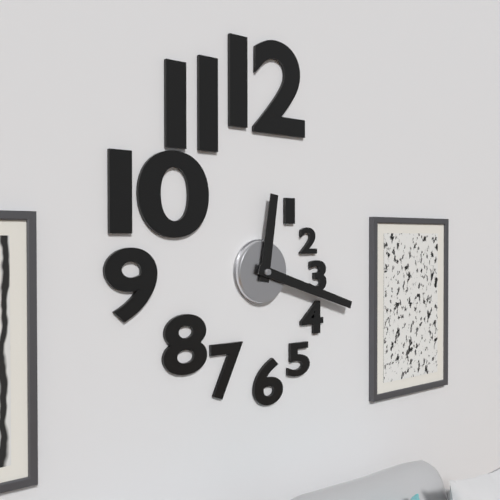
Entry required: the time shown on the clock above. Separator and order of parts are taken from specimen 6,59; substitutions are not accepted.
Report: 12,18
